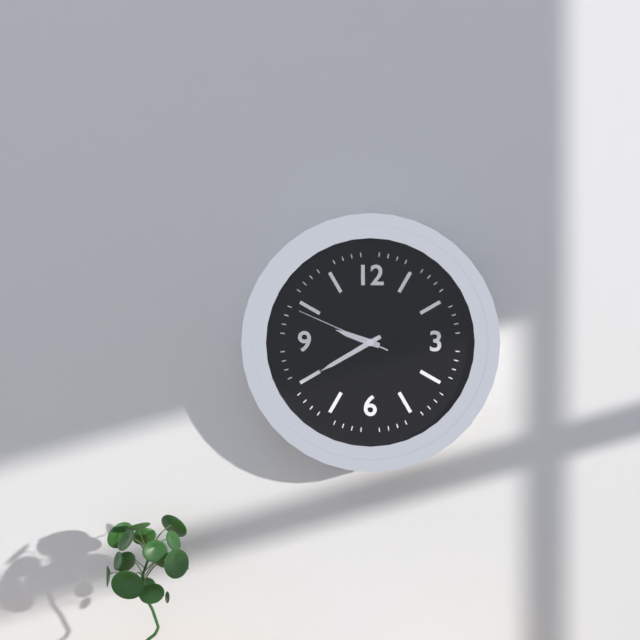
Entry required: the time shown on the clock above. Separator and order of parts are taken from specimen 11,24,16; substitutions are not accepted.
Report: 9,40,49
